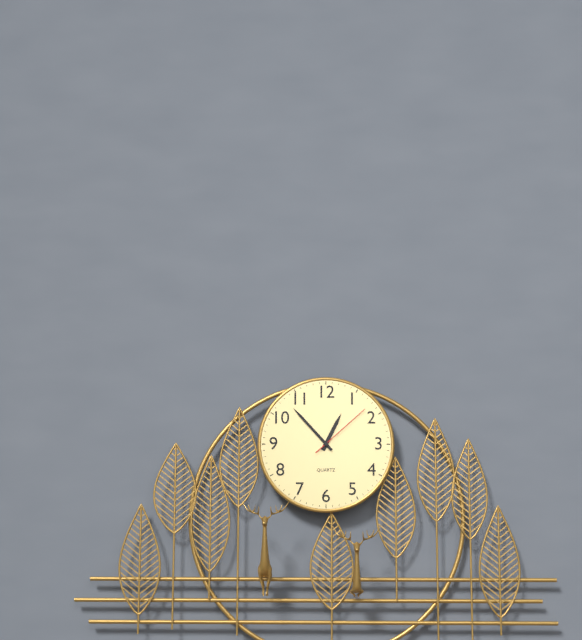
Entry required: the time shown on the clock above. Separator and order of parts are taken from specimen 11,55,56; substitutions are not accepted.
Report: 12,53,08
